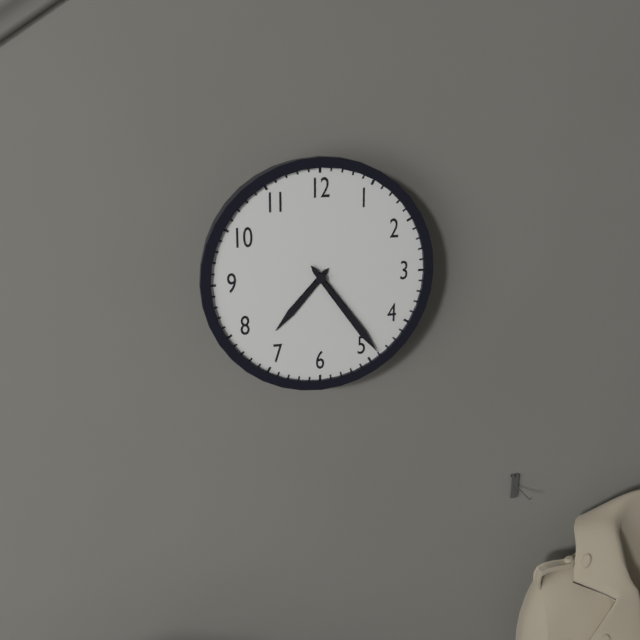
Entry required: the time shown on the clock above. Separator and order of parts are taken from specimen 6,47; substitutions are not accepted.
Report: 7,24
